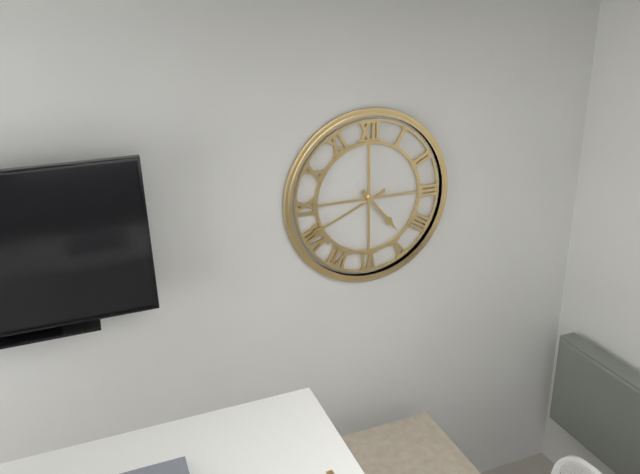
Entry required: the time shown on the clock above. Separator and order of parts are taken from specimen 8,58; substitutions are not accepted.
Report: 4,41
